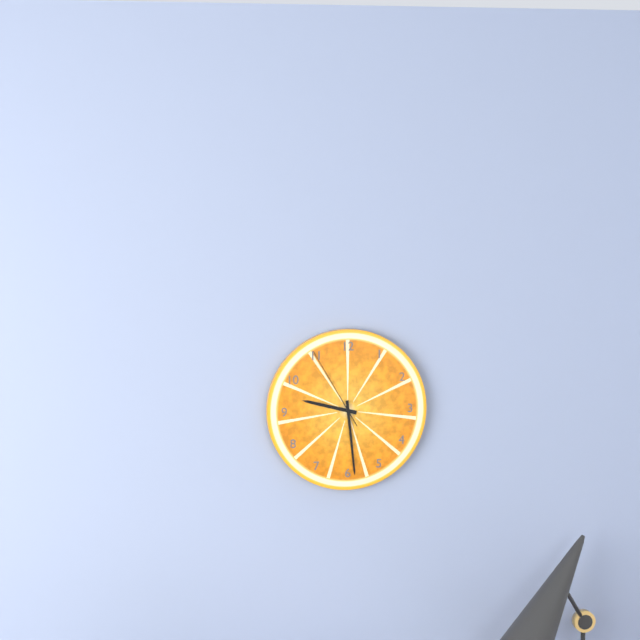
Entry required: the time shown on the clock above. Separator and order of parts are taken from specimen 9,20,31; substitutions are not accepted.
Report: 9,29,55
